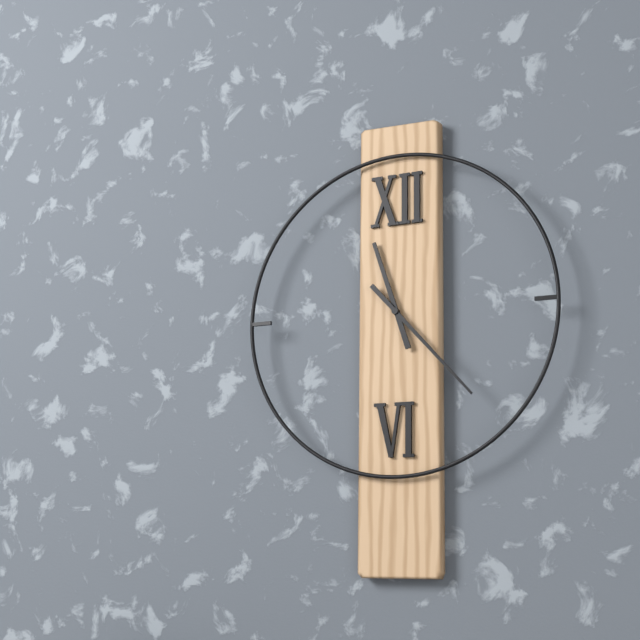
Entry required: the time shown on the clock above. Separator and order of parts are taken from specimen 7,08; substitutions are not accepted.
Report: 11,23
